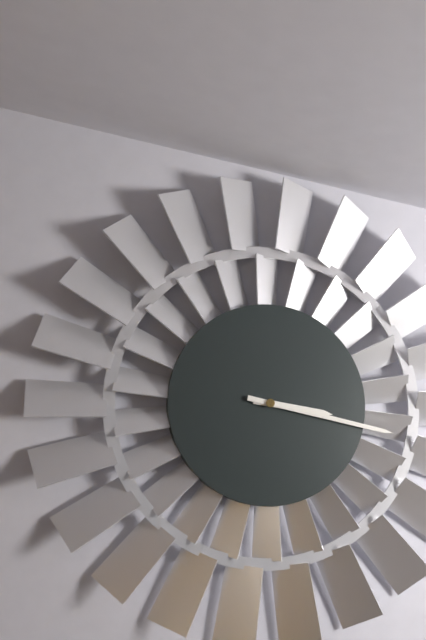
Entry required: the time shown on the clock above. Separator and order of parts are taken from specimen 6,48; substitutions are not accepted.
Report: 3,17
